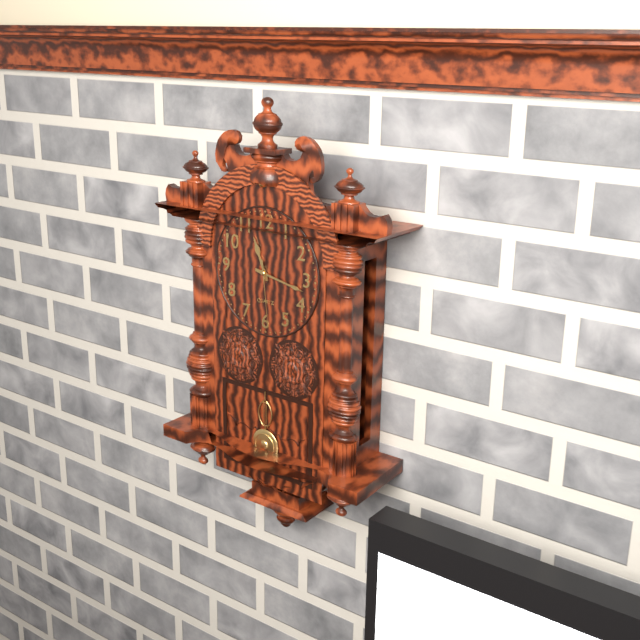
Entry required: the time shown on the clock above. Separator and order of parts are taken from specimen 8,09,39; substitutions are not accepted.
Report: 11,17,29
